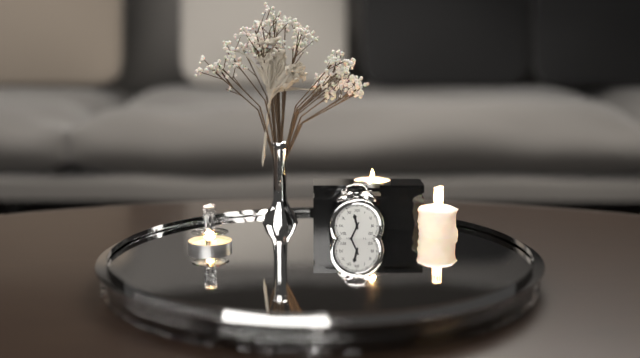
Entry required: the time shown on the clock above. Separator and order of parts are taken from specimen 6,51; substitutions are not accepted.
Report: 11,34
